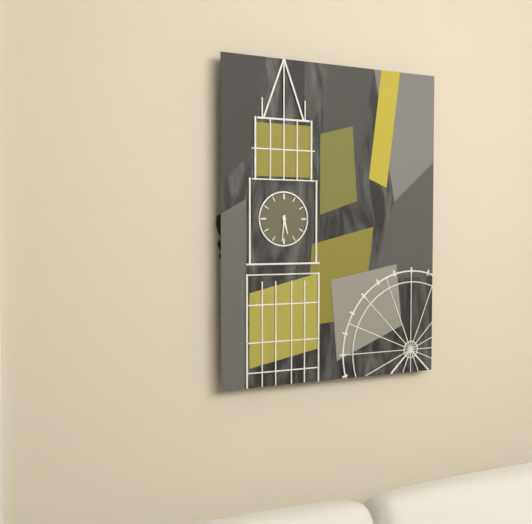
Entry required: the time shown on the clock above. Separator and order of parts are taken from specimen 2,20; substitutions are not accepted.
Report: 5,31
